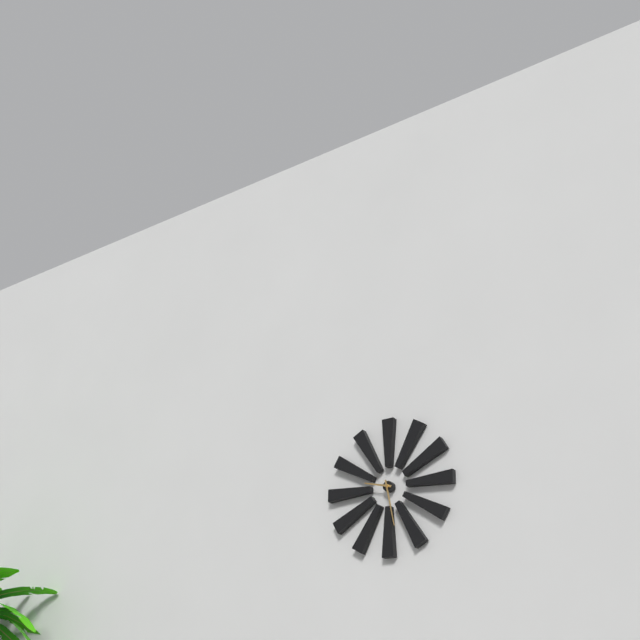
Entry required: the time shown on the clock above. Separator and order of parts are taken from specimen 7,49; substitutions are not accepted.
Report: 9,28
